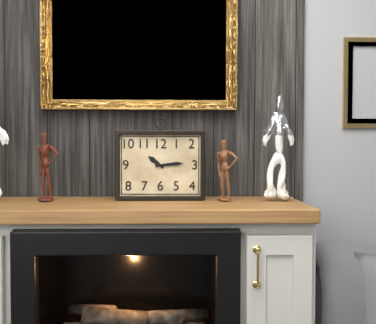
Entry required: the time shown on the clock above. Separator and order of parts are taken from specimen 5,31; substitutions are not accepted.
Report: 10,14
